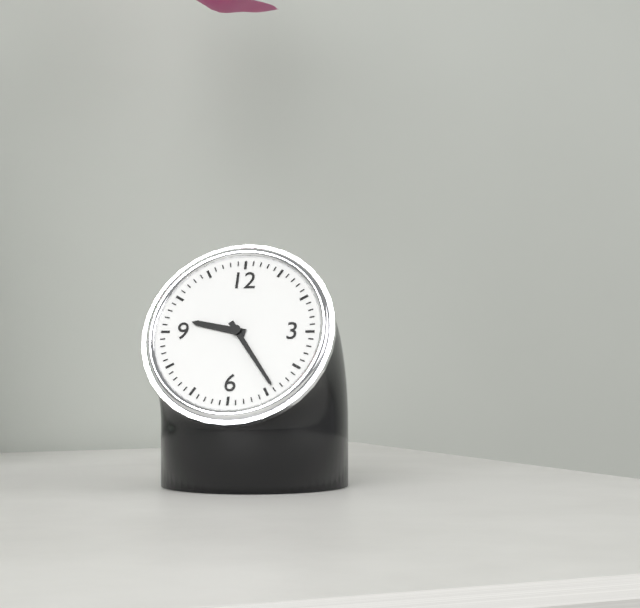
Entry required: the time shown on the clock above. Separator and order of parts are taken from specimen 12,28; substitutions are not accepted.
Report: 9,24
